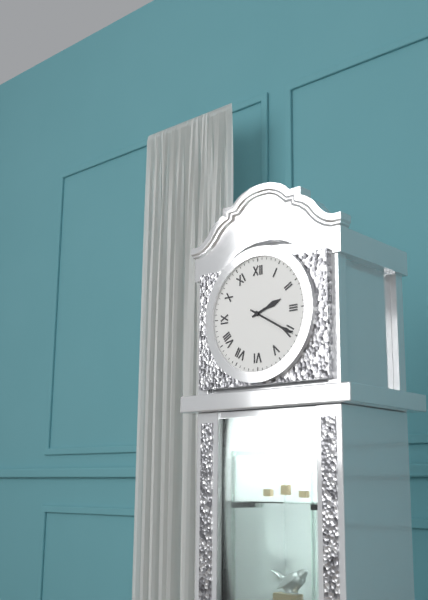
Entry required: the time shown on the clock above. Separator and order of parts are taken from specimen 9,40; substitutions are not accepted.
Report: 2,20
